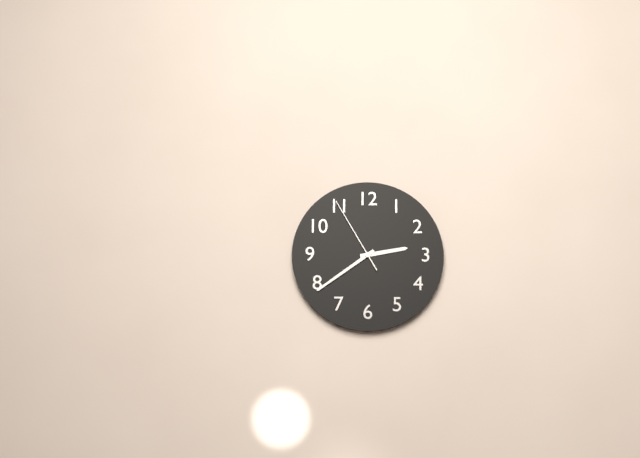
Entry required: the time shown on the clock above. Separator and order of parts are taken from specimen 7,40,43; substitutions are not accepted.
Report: 2,39,55
